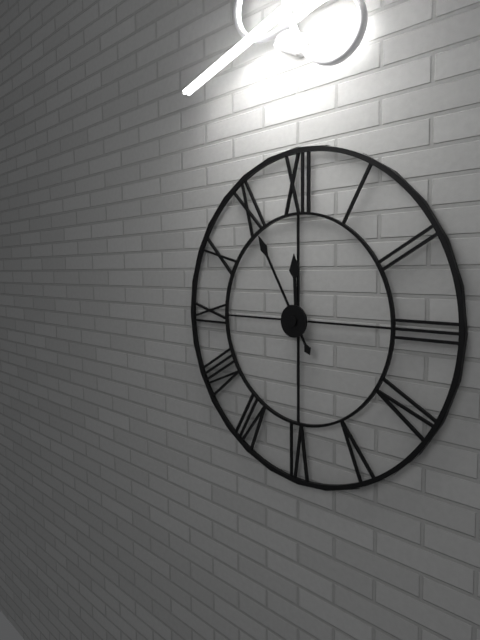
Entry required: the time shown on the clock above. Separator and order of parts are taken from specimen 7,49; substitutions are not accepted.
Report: 11,55
